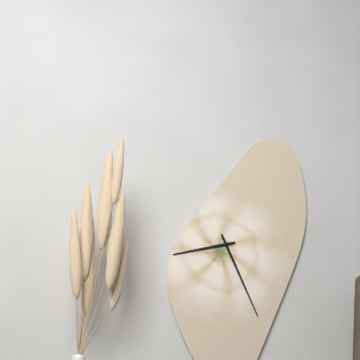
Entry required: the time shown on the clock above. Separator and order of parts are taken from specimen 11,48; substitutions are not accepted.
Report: 8,26
